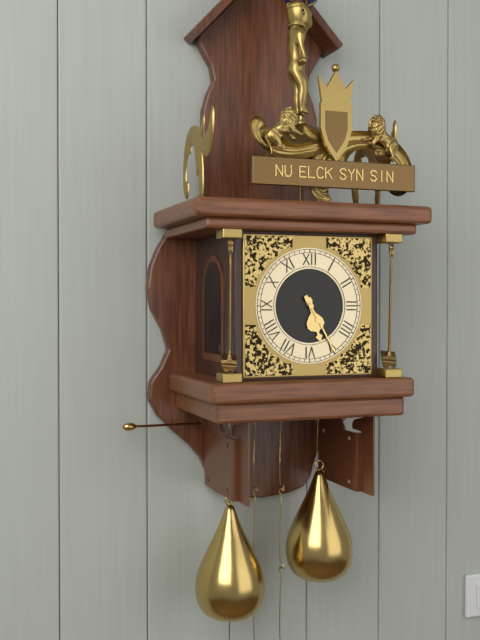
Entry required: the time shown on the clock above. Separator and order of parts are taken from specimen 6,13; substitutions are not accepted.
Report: 5,25
